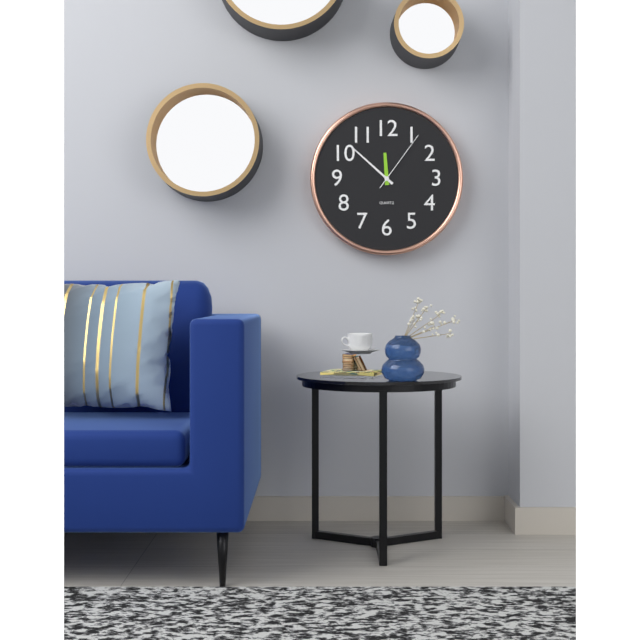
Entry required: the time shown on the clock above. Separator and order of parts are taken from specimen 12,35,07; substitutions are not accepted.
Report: 11,52,06
